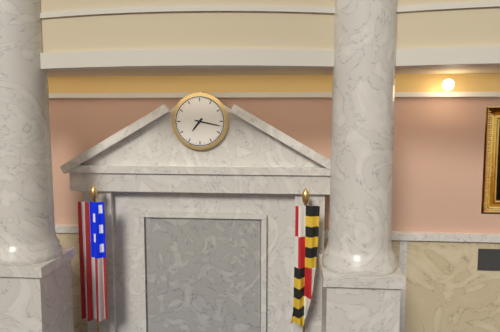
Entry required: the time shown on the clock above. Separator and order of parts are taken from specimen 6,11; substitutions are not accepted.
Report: 7,17
